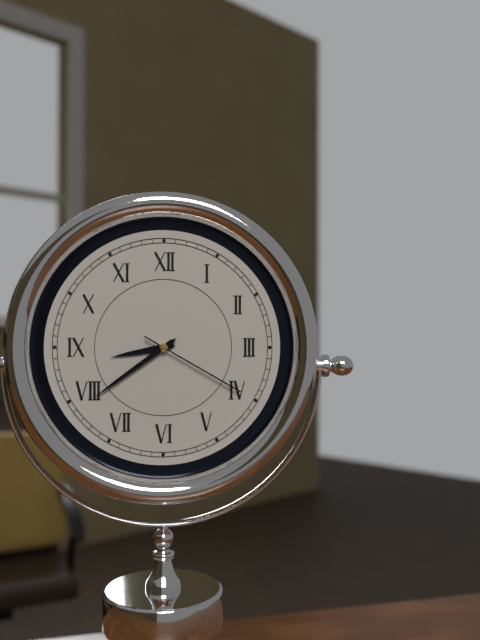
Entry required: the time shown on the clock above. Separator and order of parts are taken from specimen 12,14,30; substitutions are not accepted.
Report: 8,39,20
